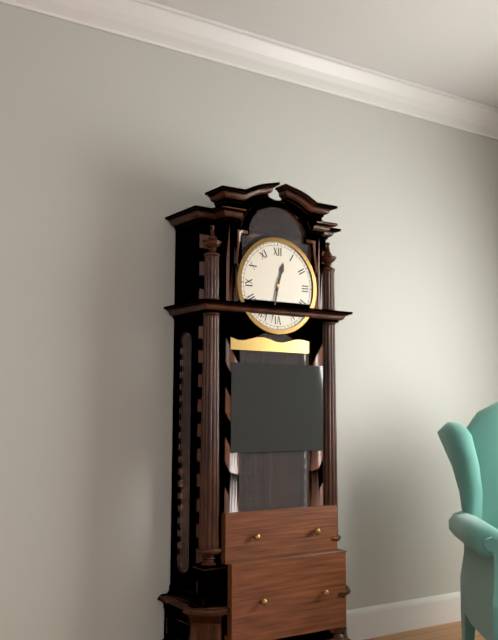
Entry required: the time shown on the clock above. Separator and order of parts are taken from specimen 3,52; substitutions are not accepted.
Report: 12,32
